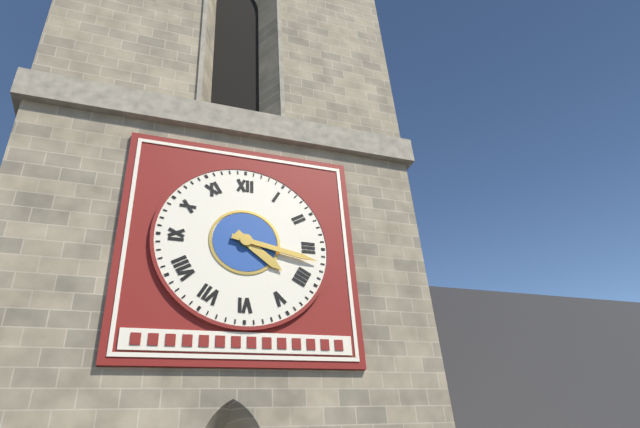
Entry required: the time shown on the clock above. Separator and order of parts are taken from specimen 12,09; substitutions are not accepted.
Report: 4,17
